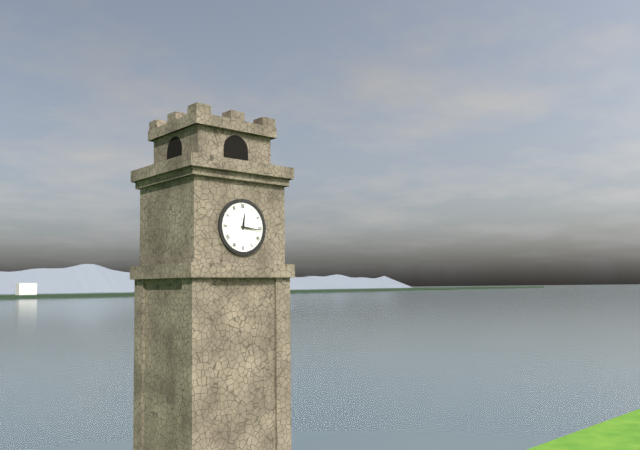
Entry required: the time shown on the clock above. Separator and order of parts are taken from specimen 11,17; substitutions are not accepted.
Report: 12,16
